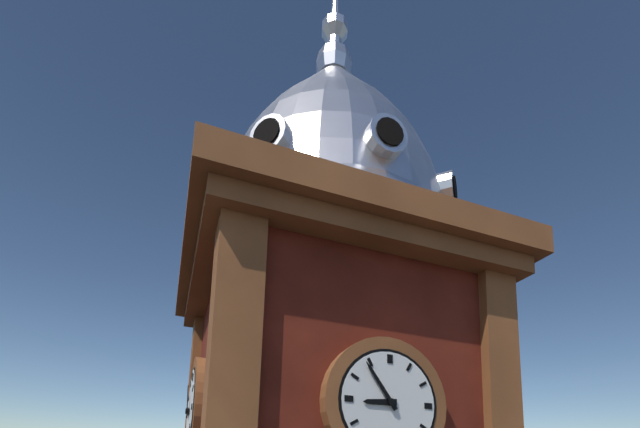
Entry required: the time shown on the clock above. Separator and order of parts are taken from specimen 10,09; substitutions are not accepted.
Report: 8,54
